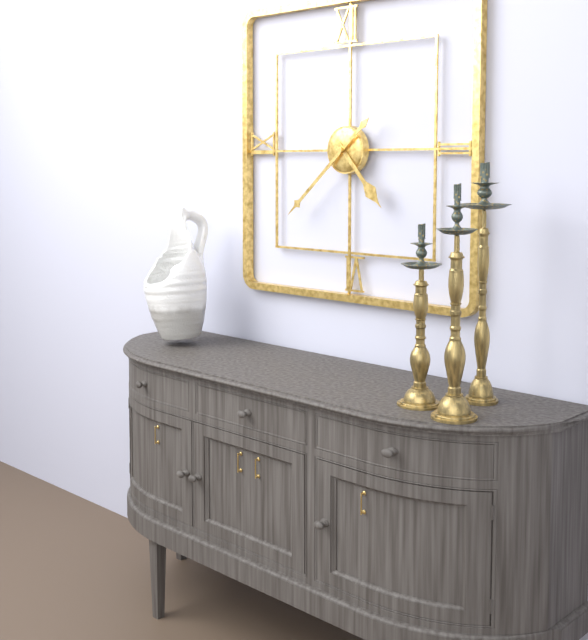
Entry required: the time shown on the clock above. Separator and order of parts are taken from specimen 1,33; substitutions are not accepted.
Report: 4,38
